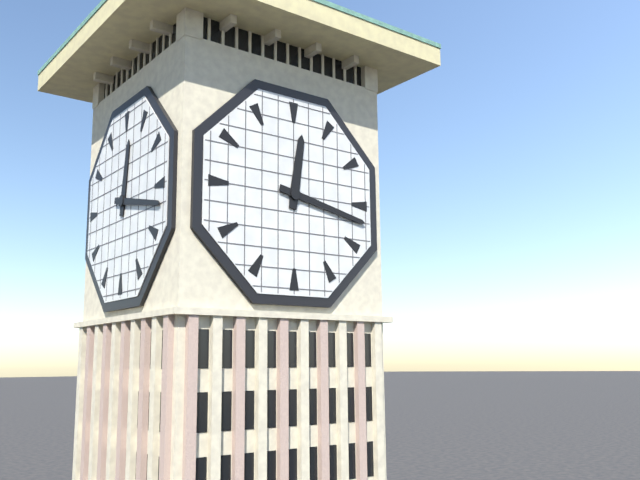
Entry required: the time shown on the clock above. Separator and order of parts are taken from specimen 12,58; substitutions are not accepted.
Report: 12,17
